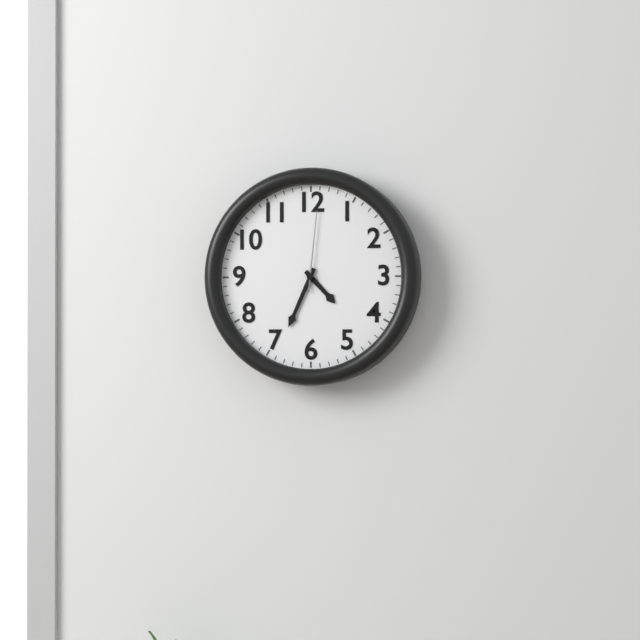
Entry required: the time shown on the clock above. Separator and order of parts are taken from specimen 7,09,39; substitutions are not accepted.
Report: 4,34,01
